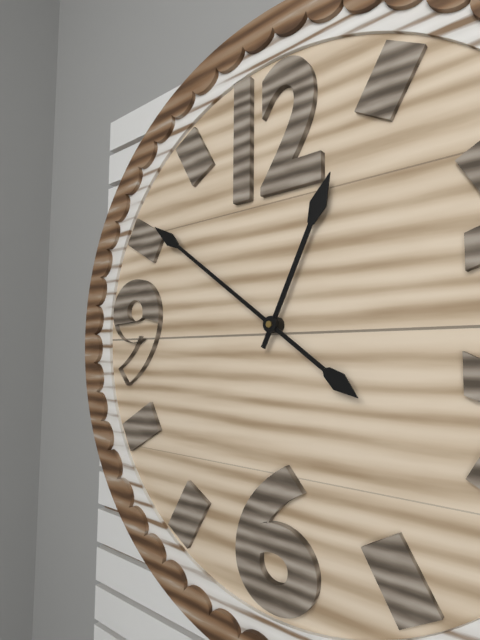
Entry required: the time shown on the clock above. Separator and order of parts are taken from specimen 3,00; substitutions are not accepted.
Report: 12,51
